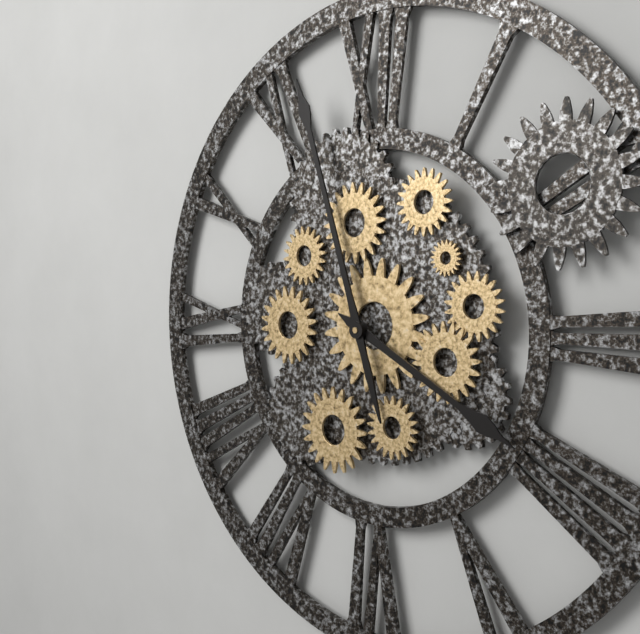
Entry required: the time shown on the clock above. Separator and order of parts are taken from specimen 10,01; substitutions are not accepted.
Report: 3,57
